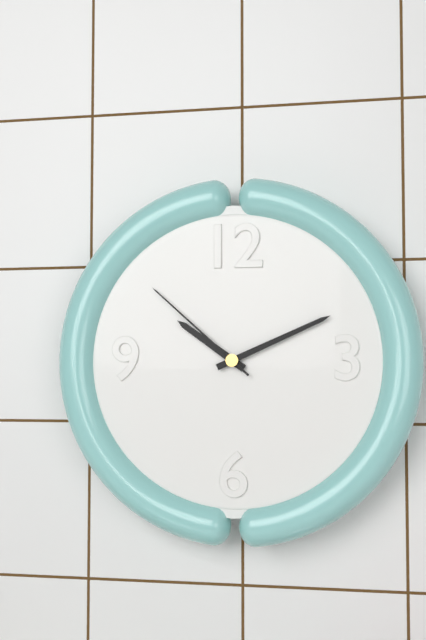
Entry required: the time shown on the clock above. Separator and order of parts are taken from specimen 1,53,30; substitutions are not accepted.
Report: 10,11,52
